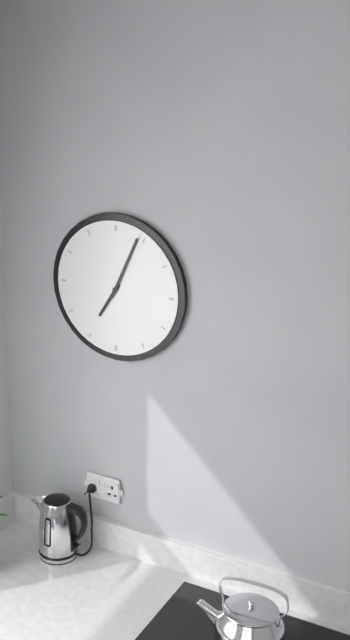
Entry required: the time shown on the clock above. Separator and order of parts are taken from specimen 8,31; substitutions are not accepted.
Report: 7,04
